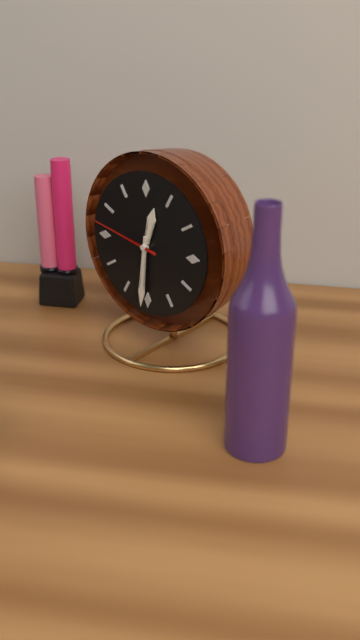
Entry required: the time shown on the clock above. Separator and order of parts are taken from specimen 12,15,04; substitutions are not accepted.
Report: 12,31,47
